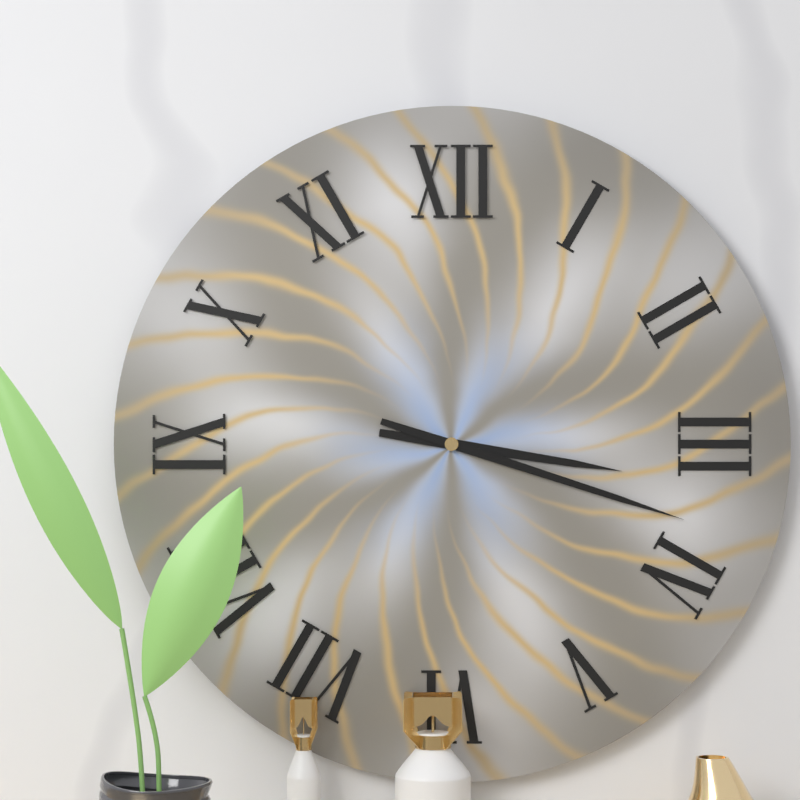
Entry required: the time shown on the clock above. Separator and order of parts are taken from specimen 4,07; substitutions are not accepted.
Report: 3,18
